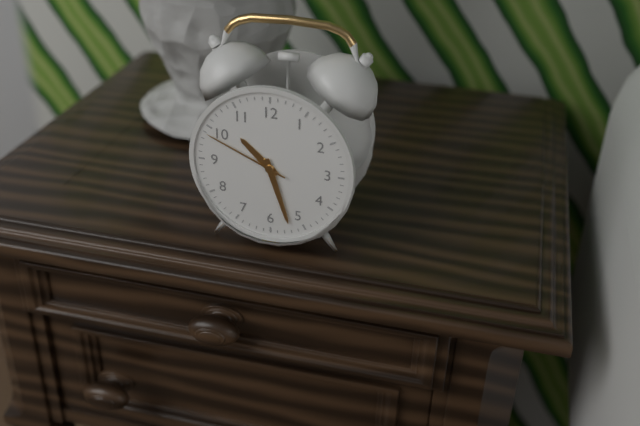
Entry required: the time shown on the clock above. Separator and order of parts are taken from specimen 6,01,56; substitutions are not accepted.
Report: 10,27,49
